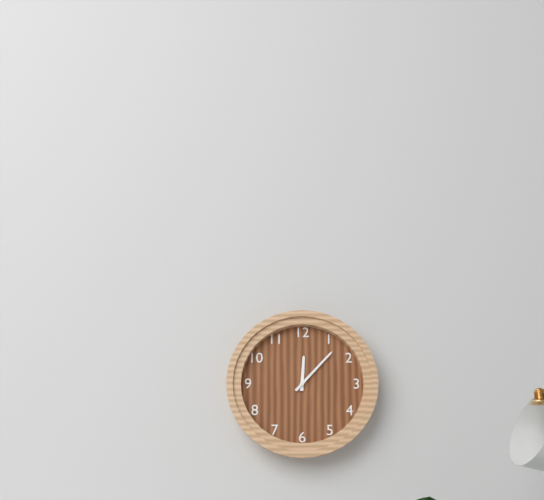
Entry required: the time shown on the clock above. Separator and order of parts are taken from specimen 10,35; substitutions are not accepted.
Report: 12,07
